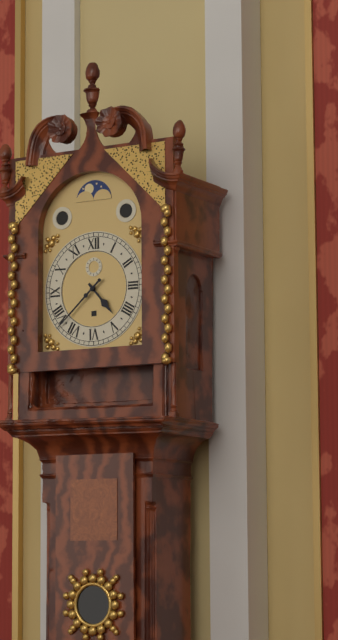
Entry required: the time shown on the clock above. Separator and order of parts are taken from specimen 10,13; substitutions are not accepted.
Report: 4,38
